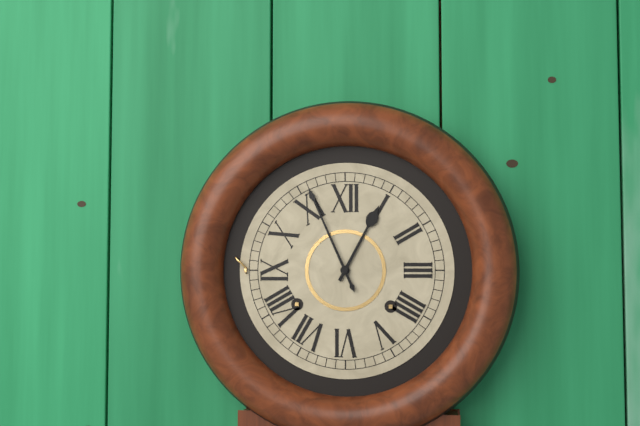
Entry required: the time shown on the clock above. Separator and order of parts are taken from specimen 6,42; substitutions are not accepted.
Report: 12,56
